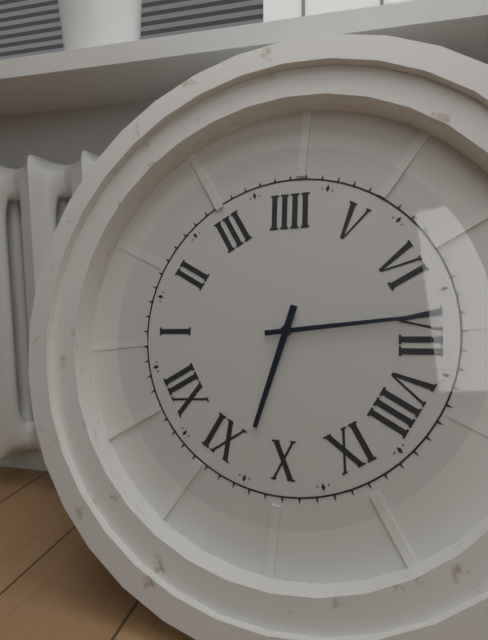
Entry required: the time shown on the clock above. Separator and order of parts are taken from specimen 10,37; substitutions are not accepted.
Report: 10,34
